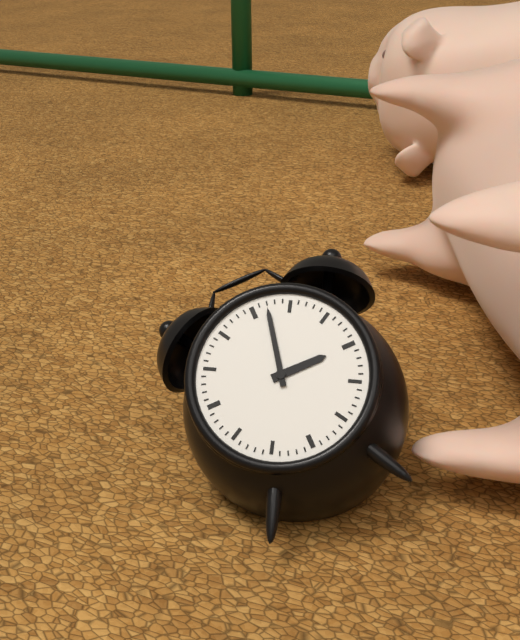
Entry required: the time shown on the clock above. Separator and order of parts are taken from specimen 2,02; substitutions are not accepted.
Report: 3,02
